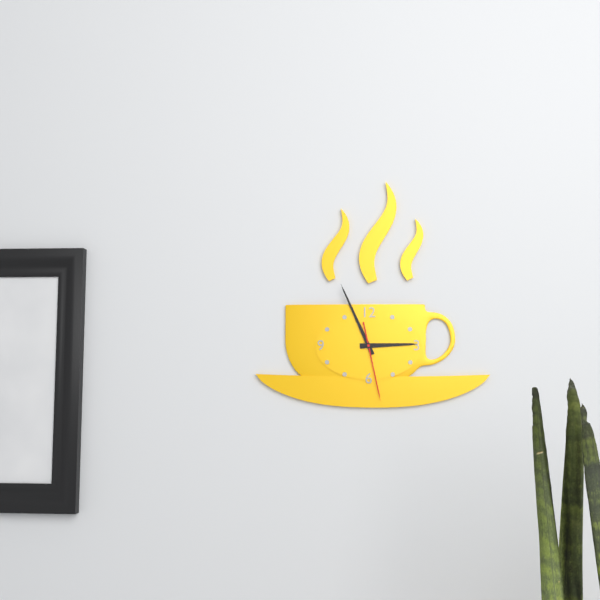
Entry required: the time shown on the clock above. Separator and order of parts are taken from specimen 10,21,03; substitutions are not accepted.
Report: 2,56,28
